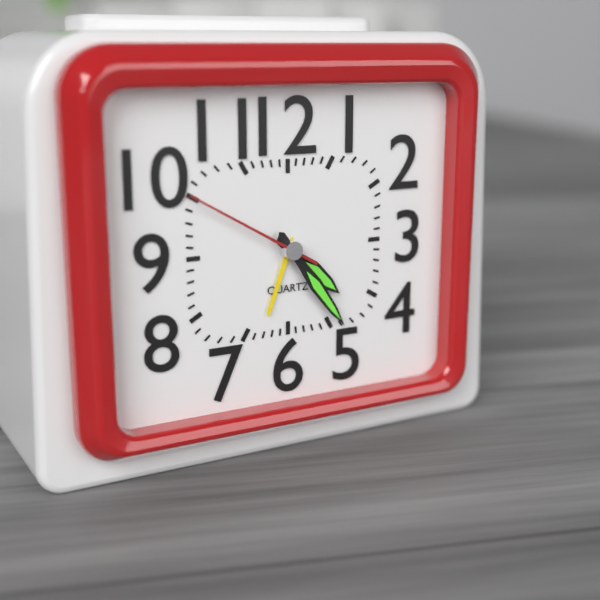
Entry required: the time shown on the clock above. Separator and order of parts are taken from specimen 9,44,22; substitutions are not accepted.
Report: 4,24,50
